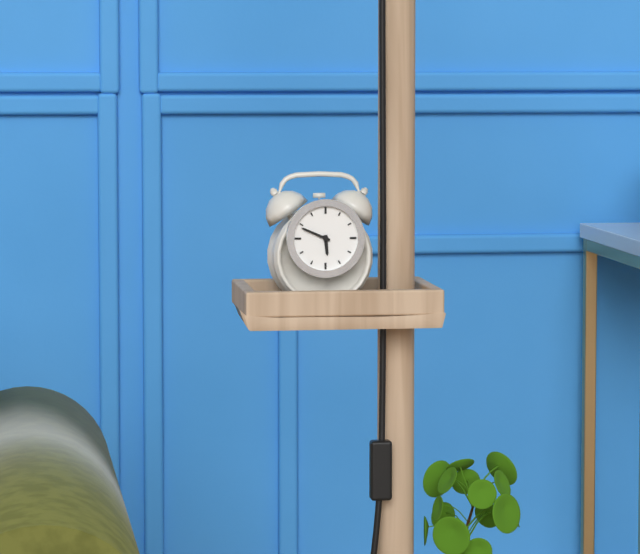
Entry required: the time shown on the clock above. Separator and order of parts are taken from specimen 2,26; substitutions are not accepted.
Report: 5,49
